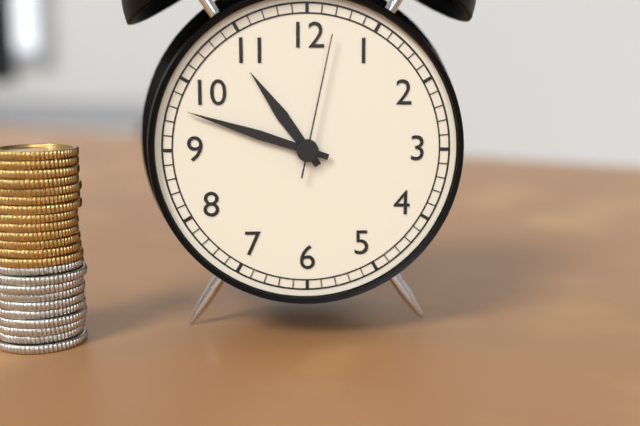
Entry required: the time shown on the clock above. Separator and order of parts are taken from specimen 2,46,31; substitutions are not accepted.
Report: 10,48,02
